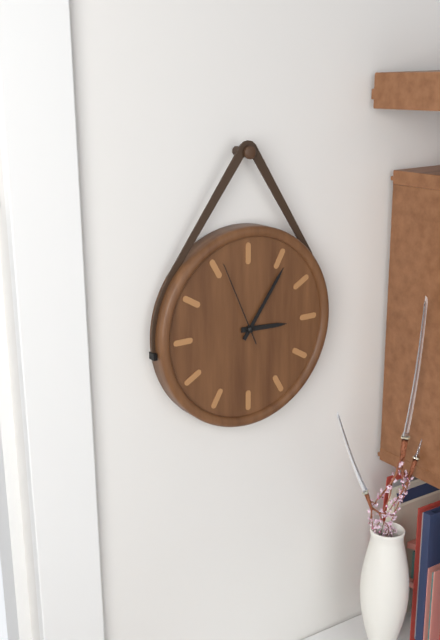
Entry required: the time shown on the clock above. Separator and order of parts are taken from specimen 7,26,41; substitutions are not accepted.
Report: 3,06,56
